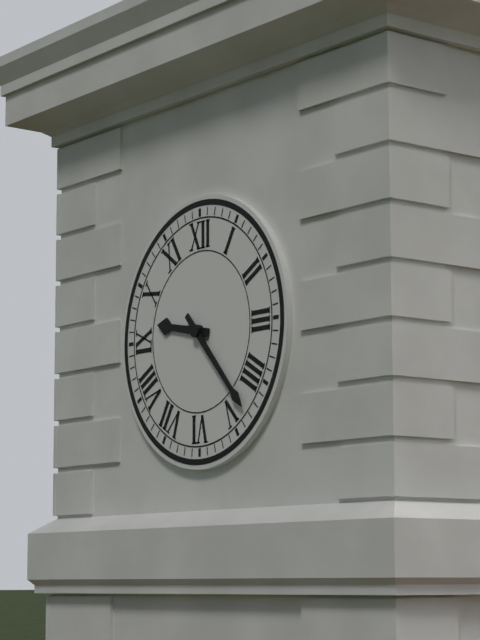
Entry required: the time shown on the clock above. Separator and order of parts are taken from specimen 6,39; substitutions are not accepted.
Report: 9,23
